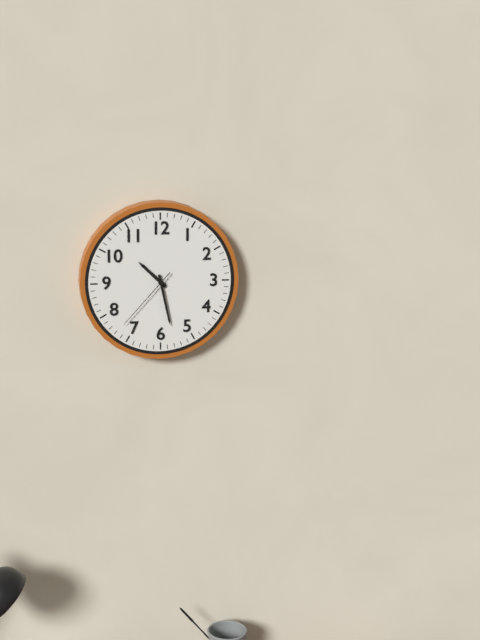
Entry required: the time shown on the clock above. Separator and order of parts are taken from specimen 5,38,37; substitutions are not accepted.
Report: 10,28,37
